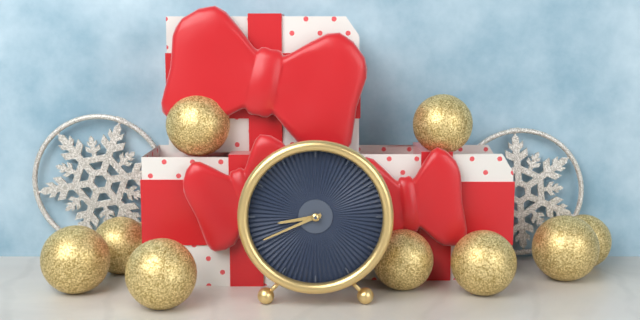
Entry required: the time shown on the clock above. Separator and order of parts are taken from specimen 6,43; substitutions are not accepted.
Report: 8,41
